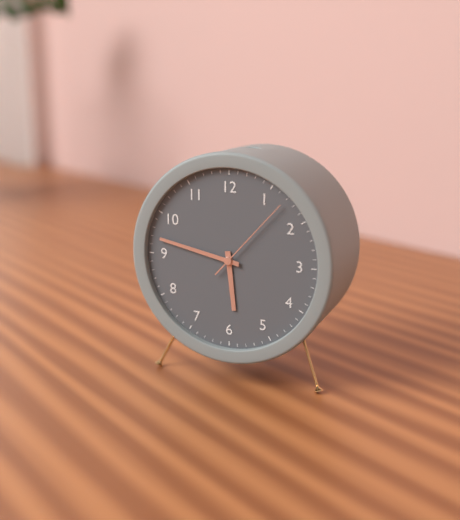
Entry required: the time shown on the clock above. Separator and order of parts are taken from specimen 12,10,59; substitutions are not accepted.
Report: 5,47,07
